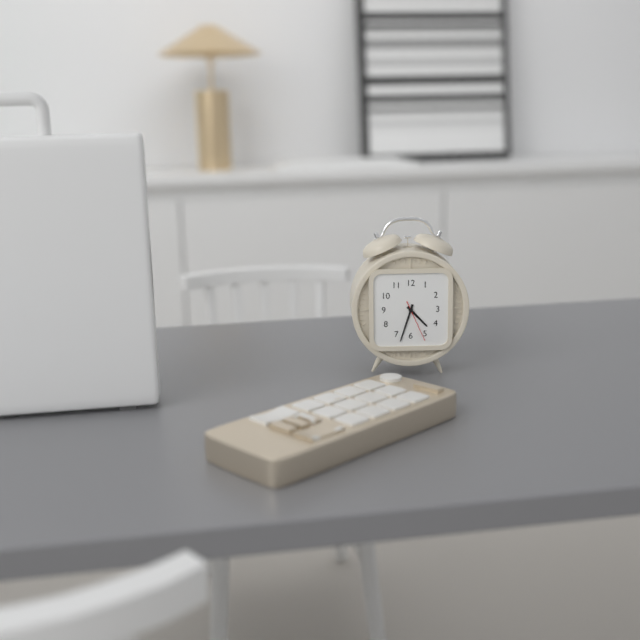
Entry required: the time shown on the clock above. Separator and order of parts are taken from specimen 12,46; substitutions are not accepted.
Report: 4,33
